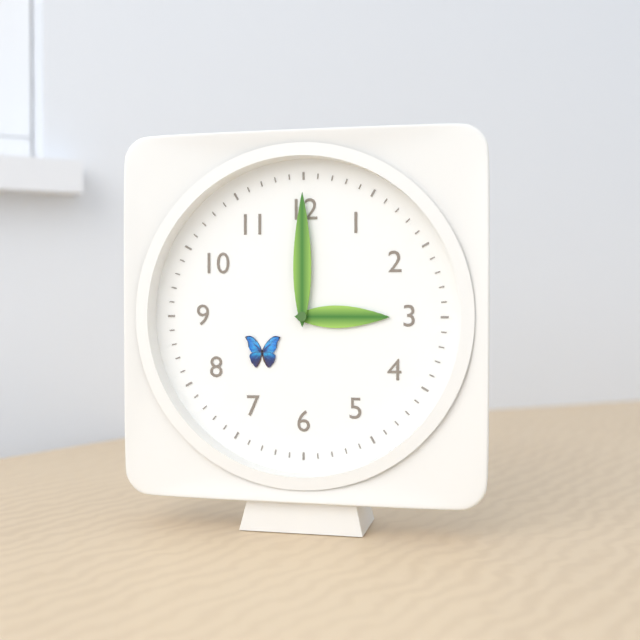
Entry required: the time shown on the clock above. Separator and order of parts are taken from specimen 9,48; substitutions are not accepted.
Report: 3,00
